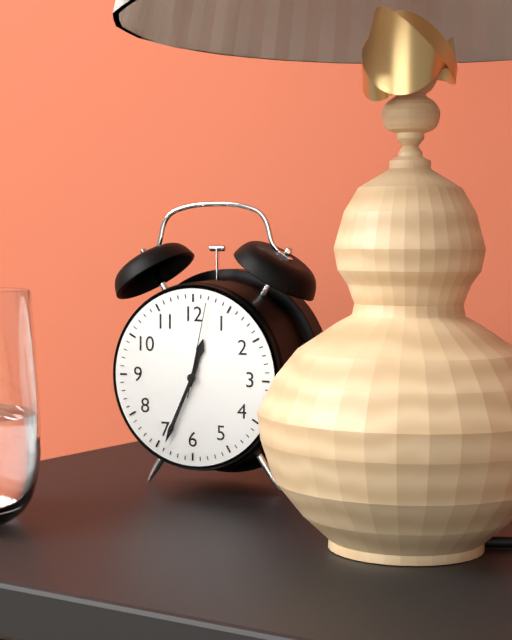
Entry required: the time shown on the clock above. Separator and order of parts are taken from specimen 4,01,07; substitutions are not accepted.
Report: 12,34,02
